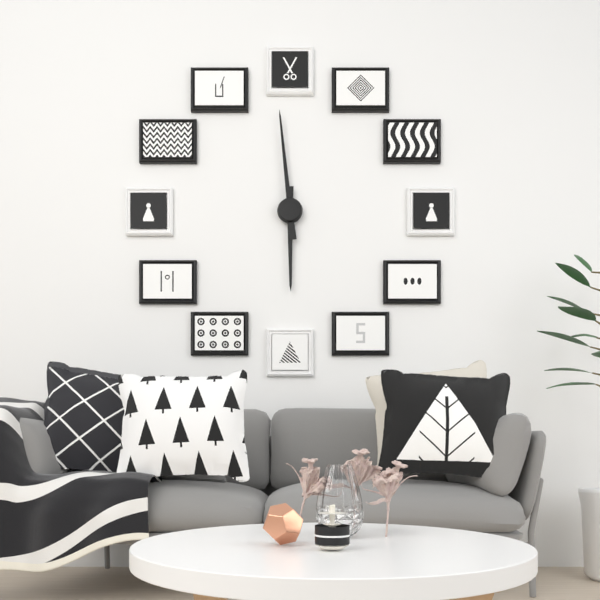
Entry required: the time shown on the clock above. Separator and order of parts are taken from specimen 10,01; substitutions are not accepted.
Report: 5,59
